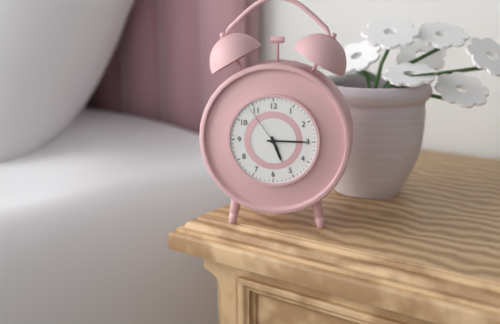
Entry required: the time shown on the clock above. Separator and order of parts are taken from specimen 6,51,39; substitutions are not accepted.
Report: 5,15,54
